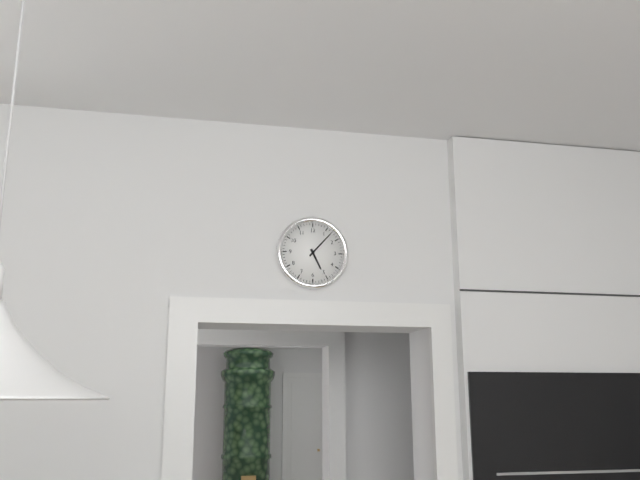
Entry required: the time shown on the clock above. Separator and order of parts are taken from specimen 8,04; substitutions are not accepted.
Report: 5,07
